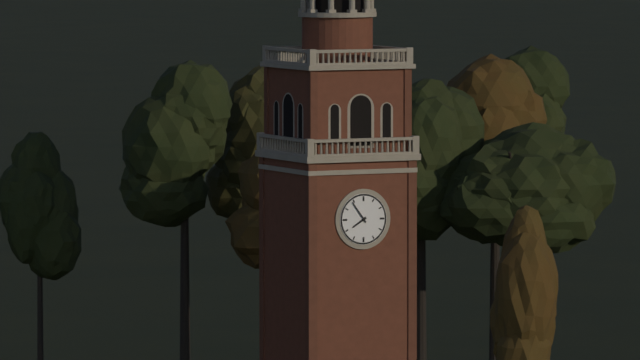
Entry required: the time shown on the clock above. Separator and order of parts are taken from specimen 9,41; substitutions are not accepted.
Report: 7,54
